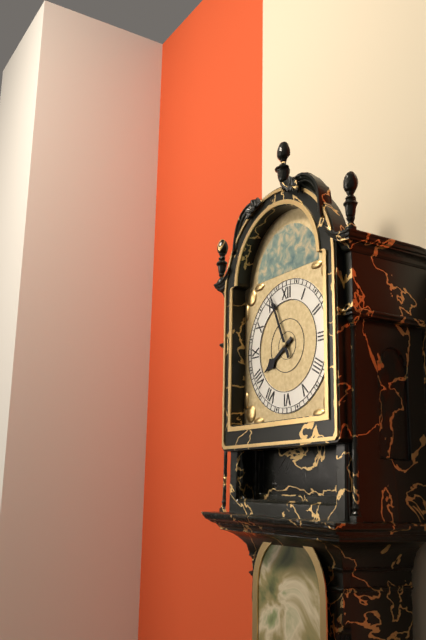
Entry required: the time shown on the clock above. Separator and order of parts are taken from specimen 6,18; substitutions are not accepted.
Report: 7,56
